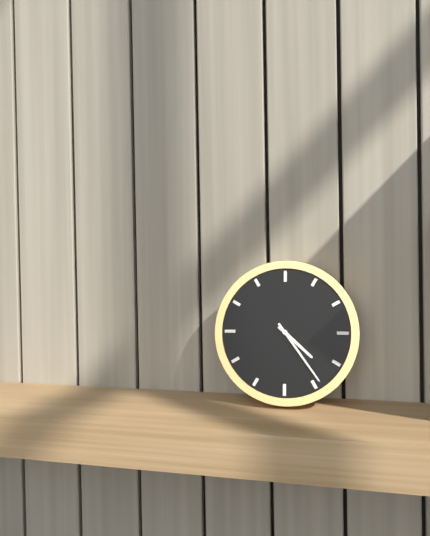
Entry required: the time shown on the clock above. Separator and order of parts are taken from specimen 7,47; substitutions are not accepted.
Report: 4,24
